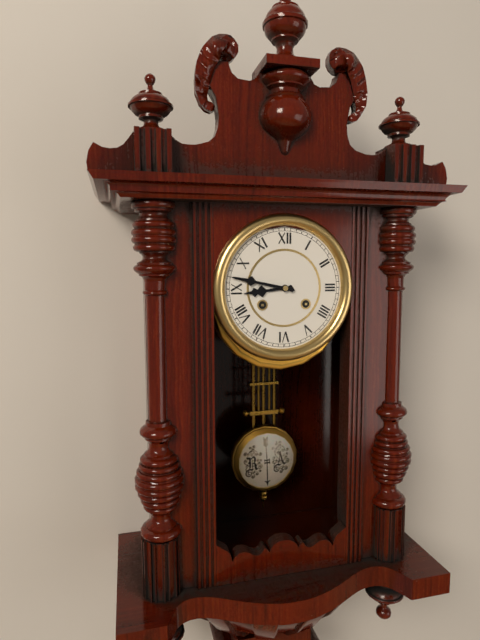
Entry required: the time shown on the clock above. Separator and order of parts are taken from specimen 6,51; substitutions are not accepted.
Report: 8,47
